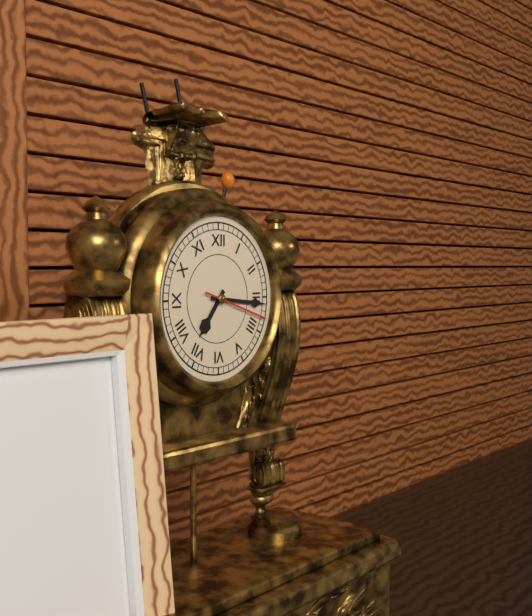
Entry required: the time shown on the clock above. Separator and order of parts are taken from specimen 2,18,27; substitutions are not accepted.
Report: 7,16,18
